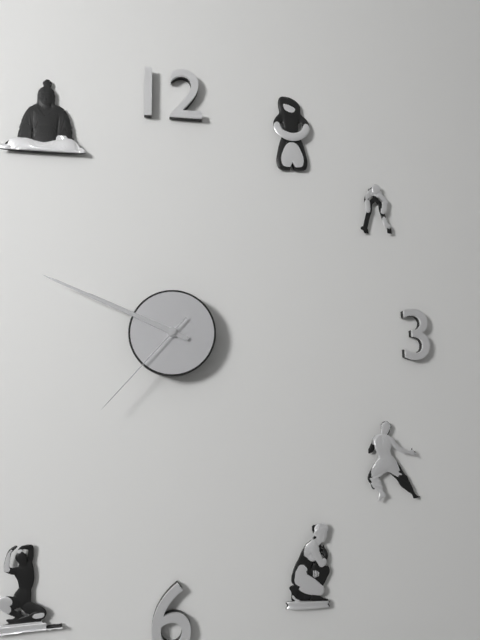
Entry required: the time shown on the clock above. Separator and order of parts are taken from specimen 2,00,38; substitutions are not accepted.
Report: 9,49,37
